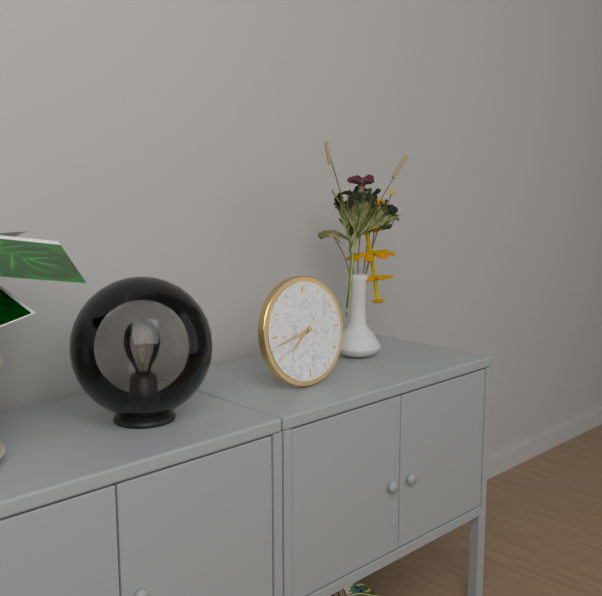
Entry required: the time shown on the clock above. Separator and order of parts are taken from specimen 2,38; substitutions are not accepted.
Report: 7,43
